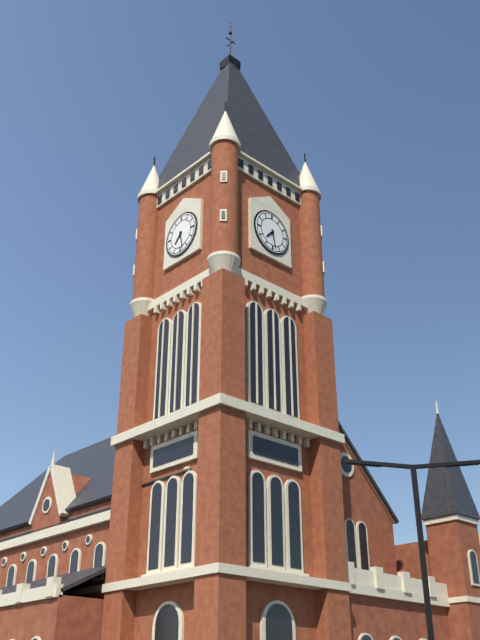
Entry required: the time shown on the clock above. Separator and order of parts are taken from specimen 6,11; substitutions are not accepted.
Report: 7,28
